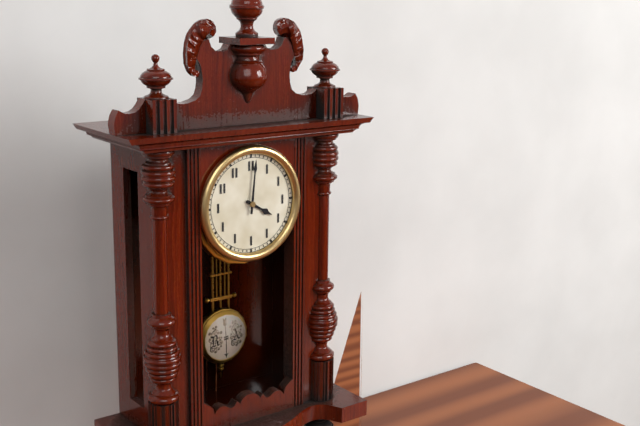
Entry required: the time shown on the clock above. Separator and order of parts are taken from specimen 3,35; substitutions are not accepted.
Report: 4,01
